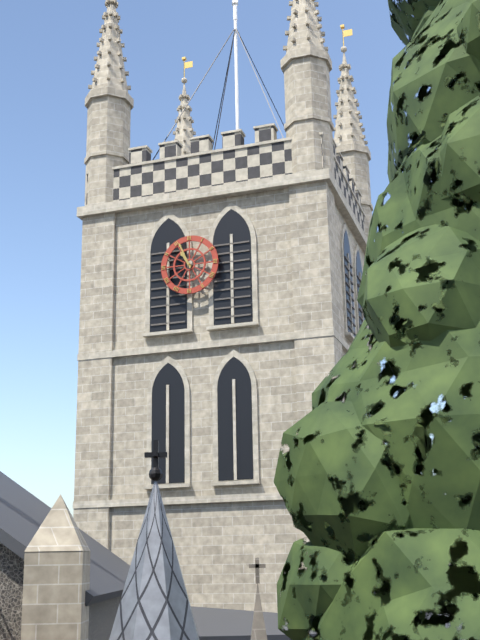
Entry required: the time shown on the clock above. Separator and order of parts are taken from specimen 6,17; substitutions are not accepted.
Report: 10,56
